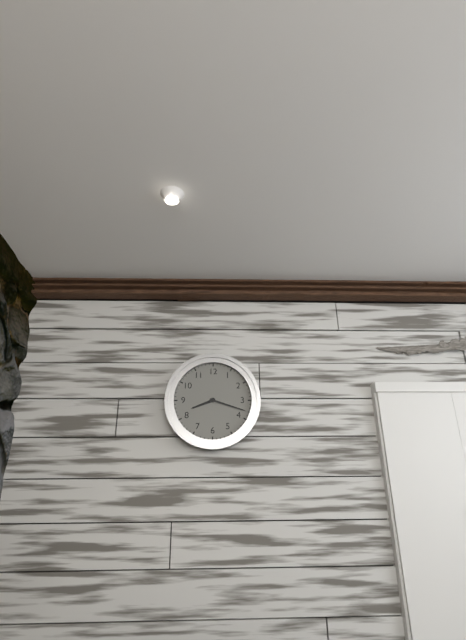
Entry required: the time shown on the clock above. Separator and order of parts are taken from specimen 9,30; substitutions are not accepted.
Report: 8,18
